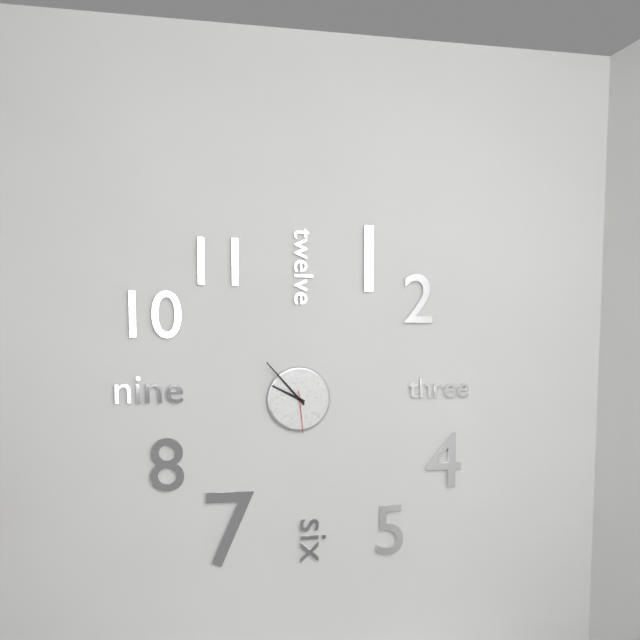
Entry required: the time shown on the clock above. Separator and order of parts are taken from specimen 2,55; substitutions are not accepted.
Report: 9,53
